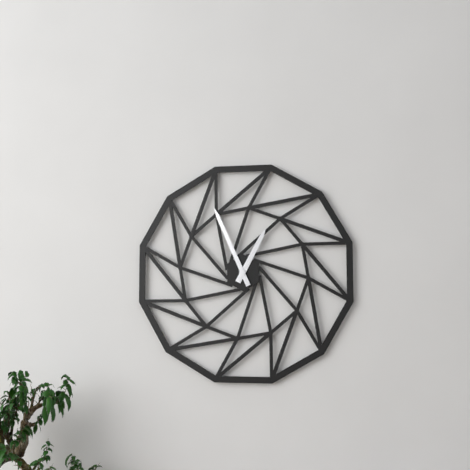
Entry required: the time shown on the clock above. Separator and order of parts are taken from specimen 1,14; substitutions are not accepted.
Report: 12,56
